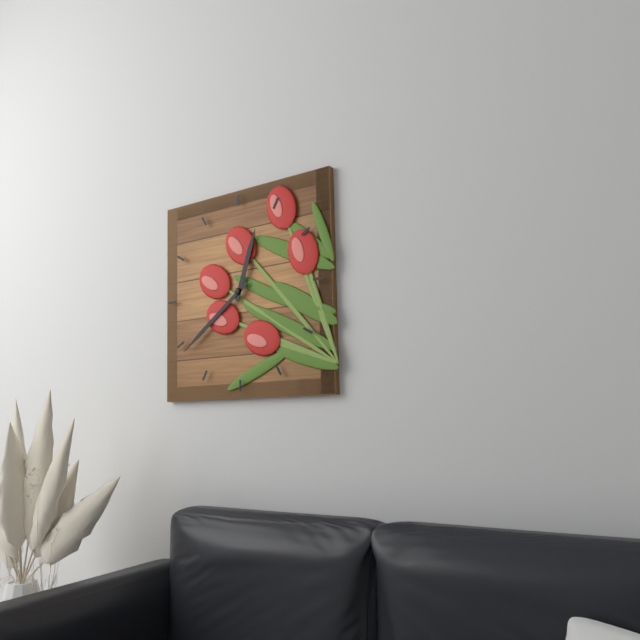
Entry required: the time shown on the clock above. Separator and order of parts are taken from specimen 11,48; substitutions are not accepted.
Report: 12,39
